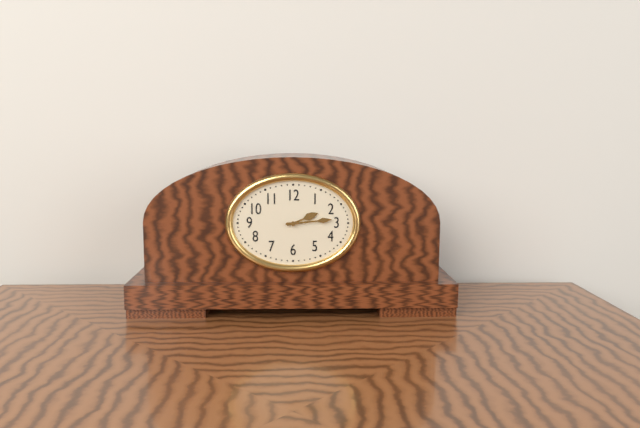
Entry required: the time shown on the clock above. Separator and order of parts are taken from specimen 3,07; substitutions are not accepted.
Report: 2,14
